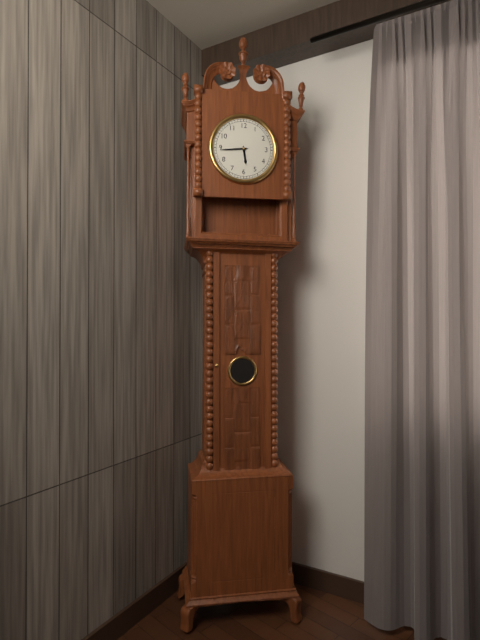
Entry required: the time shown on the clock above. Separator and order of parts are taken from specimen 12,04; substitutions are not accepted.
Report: 5,44
